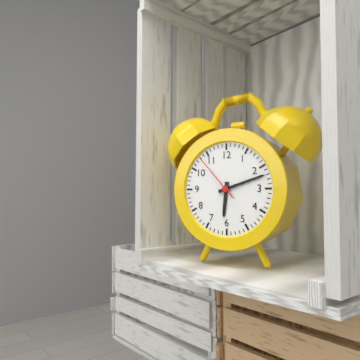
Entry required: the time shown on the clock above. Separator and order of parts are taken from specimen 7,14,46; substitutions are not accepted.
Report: 6,12,53
